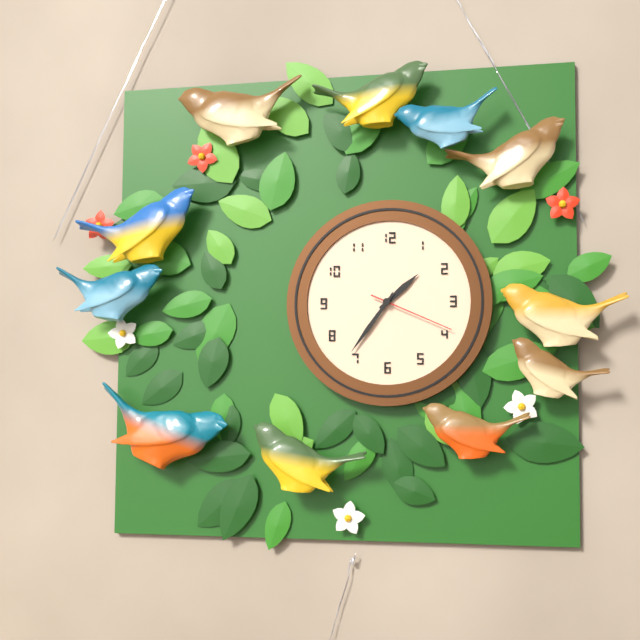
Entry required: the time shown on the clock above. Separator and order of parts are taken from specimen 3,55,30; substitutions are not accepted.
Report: 1,36,19
